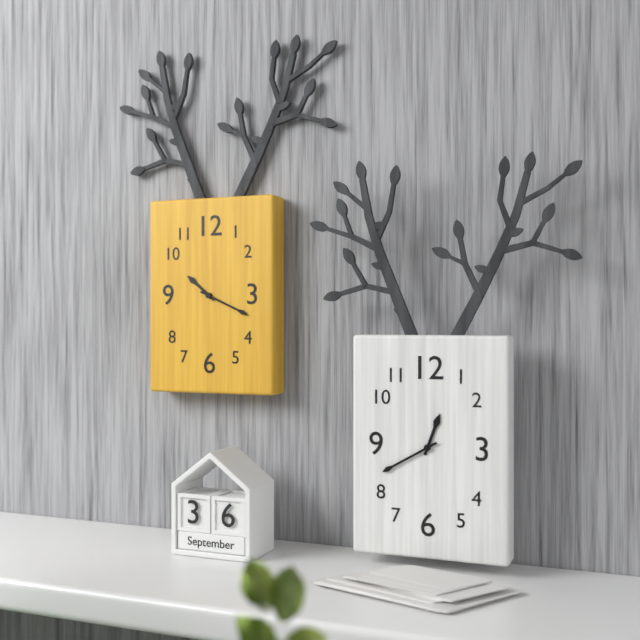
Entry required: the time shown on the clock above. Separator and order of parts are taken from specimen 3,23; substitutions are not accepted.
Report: 10,19
